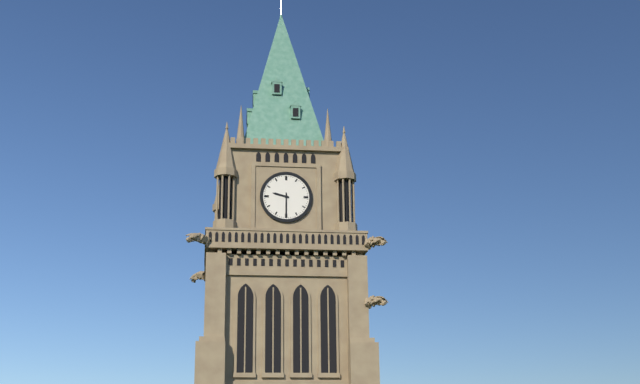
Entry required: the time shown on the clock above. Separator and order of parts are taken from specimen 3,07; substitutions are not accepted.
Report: 9,30
